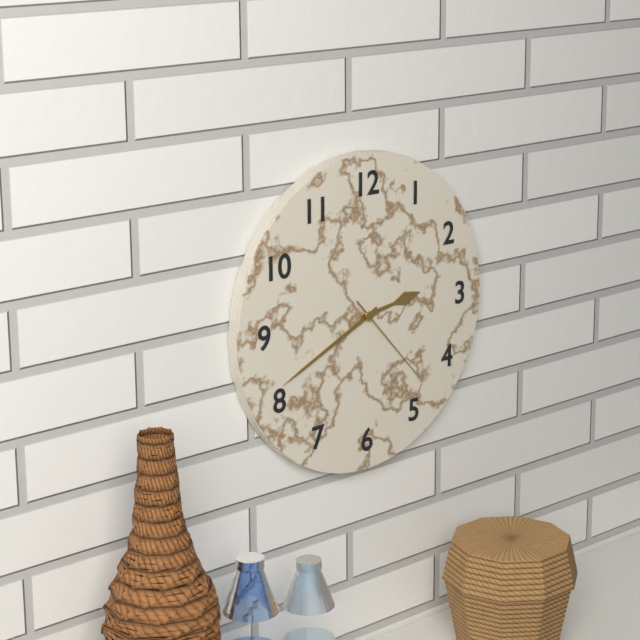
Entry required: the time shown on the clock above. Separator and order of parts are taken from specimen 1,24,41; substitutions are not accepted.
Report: 2,41,23
